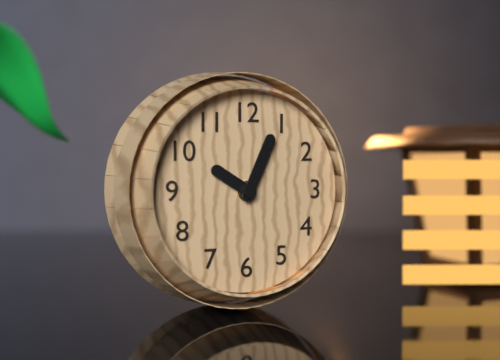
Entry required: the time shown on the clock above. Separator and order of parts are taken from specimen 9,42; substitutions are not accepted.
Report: 10,04
